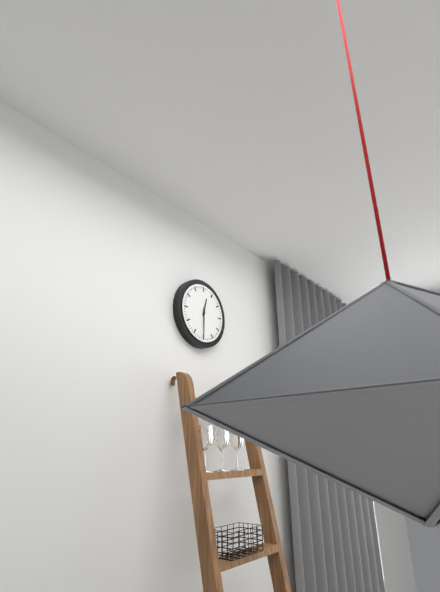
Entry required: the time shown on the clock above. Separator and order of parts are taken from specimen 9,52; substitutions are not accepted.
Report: 12,30
